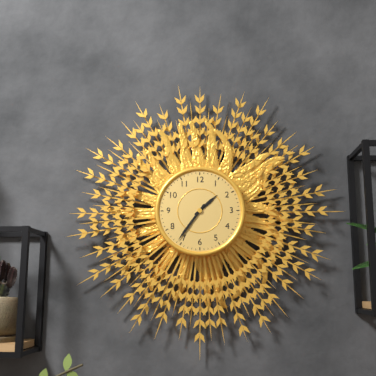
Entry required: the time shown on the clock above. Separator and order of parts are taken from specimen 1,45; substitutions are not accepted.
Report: 1,36
